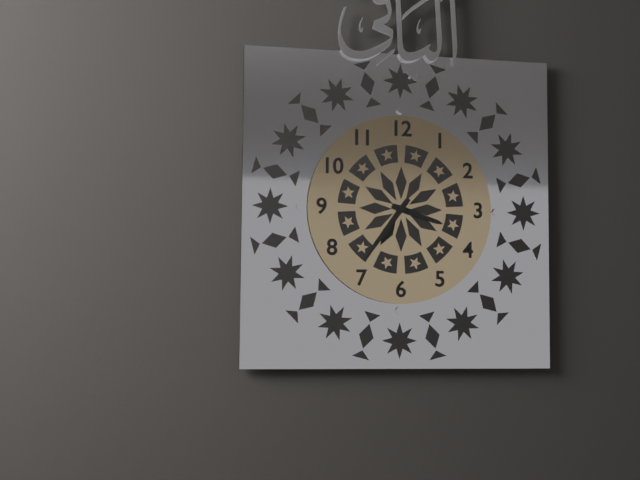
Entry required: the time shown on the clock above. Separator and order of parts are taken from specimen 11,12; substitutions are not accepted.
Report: 3,36
